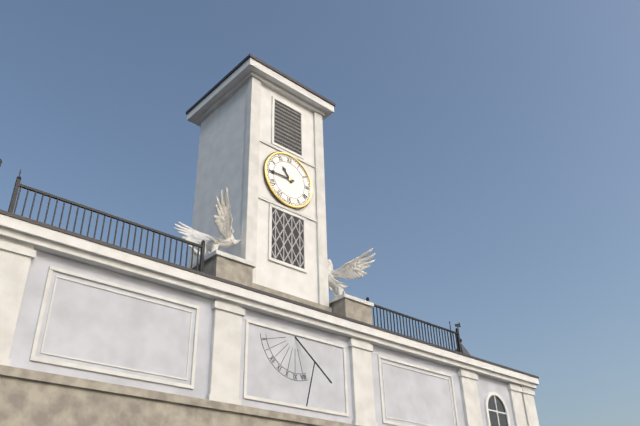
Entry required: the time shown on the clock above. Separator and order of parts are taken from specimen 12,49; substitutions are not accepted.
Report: 10,45
